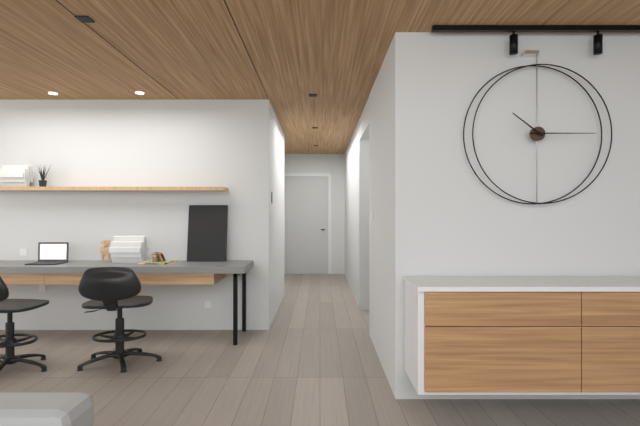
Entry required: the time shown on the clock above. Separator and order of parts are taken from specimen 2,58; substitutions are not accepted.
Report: 10,15
